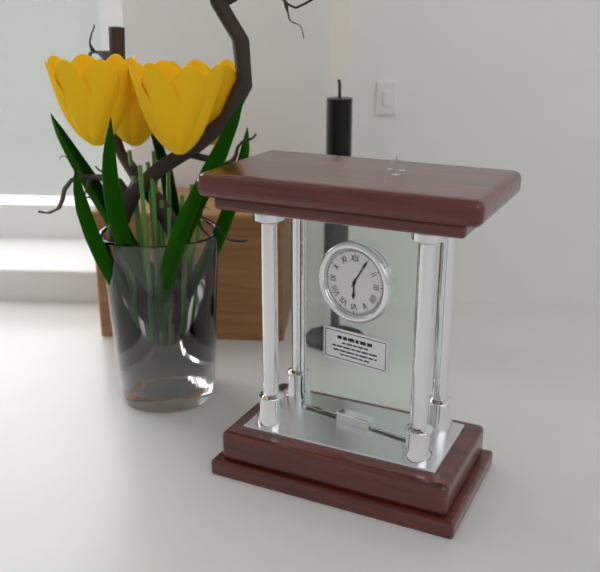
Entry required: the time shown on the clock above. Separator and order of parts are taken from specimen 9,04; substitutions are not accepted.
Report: 6,05
